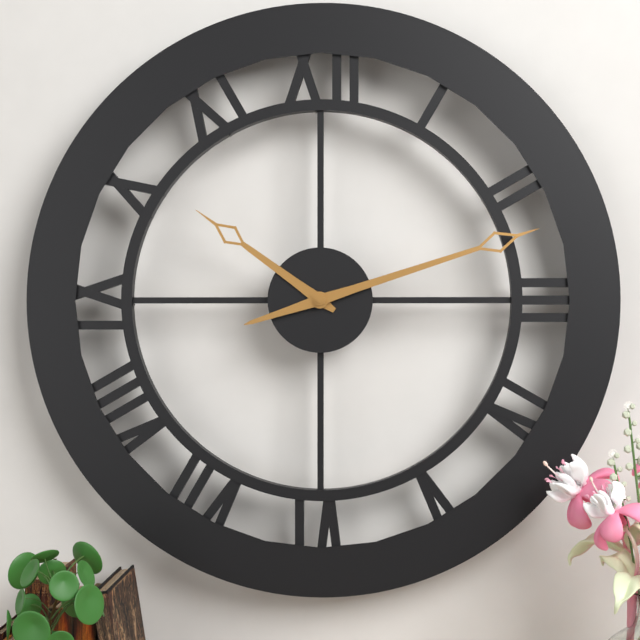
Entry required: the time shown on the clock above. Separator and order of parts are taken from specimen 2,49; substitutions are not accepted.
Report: 10,12
